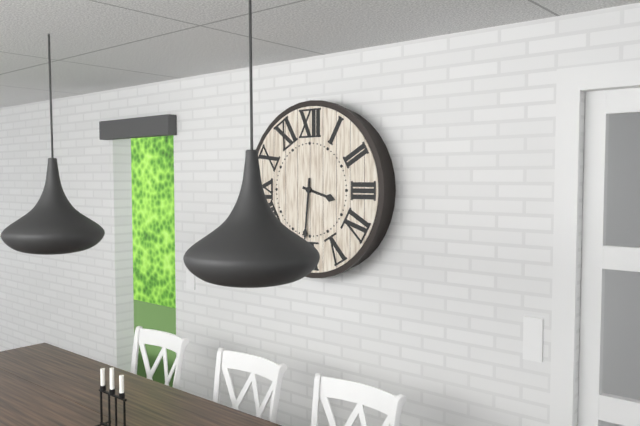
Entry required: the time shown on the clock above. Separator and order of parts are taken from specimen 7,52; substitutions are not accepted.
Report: 3,31
